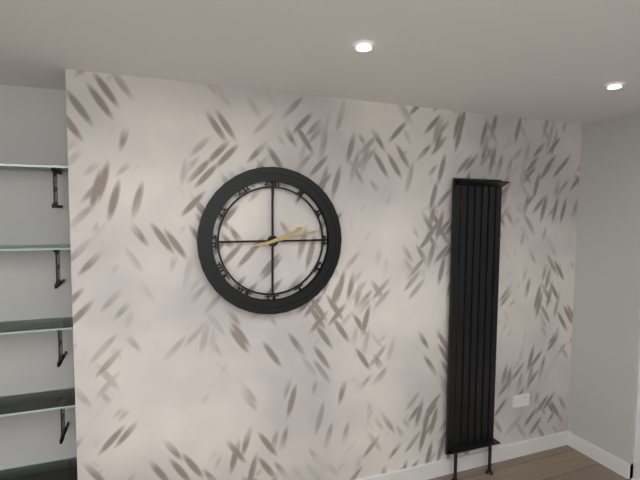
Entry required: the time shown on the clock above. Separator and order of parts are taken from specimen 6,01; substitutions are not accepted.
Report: 2,13
